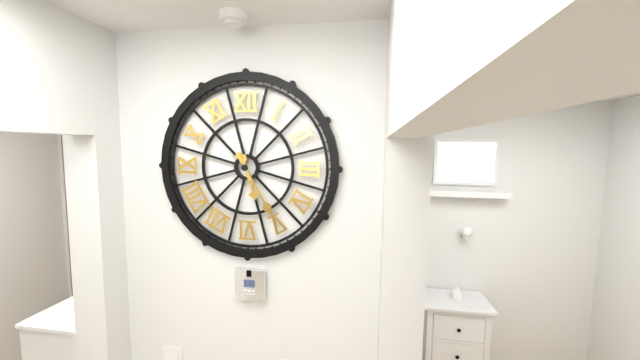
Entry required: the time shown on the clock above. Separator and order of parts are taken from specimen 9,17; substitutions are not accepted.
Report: 5,25
